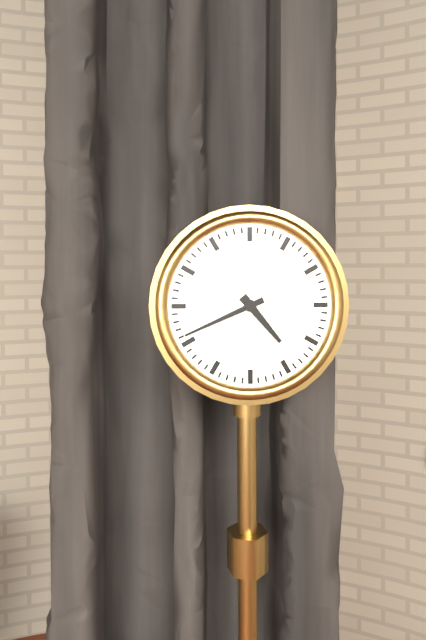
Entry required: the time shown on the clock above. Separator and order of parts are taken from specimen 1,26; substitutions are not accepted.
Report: 4,41
